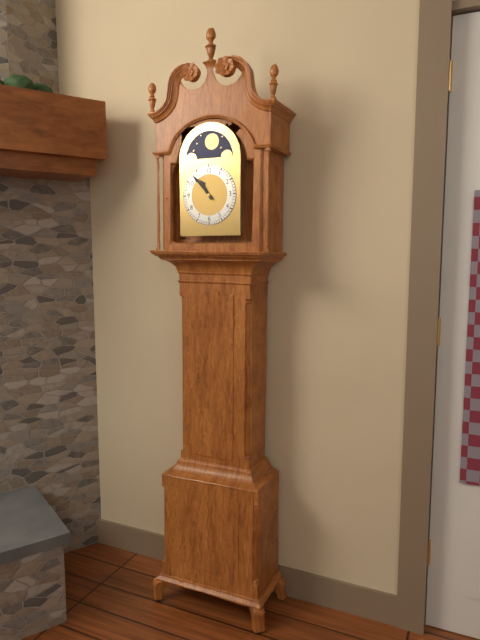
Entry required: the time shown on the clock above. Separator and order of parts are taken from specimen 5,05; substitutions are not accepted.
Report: 10,53
